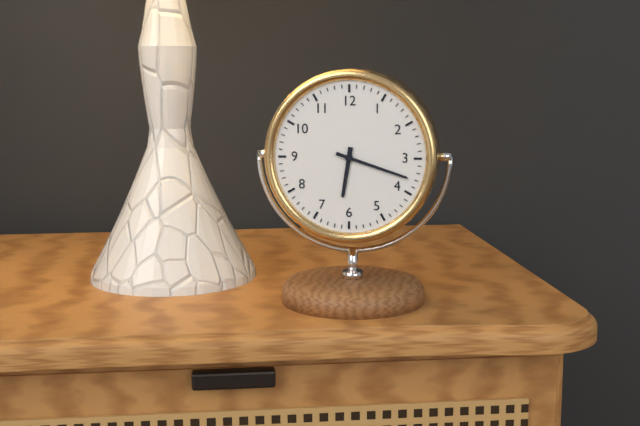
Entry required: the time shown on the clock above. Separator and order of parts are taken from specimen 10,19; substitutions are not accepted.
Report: 6,18
